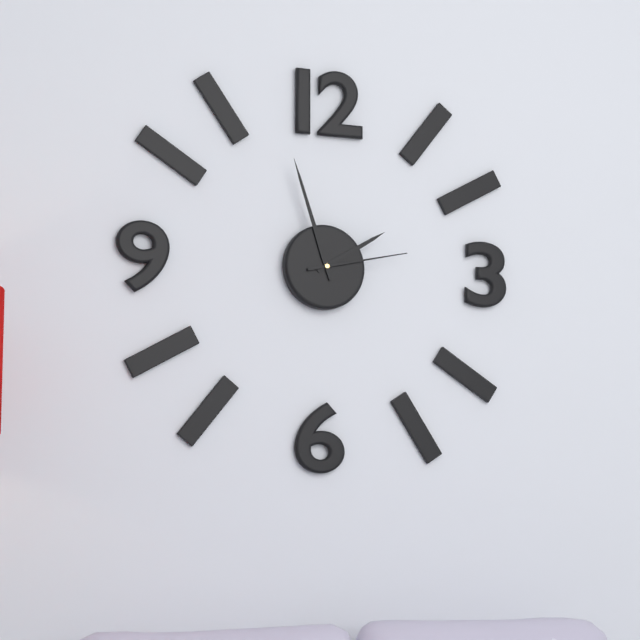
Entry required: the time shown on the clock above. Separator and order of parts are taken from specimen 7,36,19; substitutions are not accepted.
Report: 1,57,13
